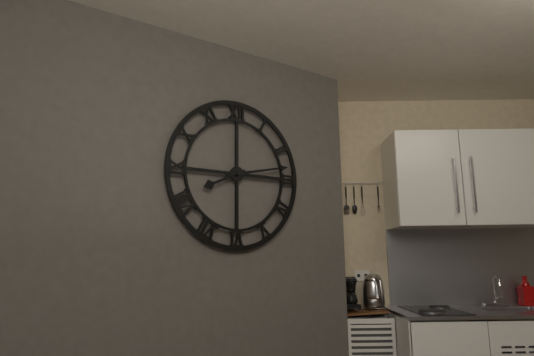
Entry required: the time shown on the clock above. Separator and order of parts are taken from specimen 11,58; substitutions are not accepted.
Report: 8,13
